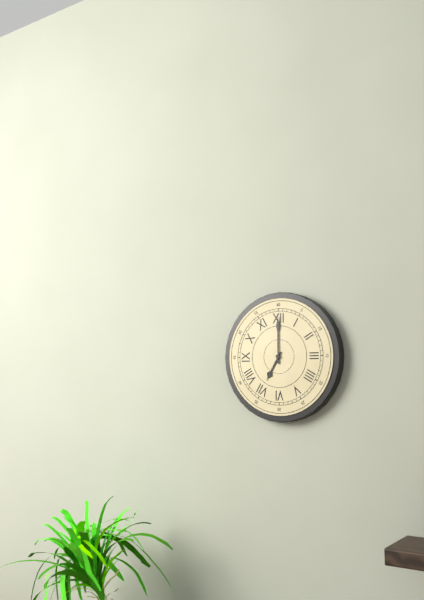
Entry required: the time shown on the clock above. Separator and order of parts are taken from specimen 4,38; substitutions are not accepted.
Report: 7,00
